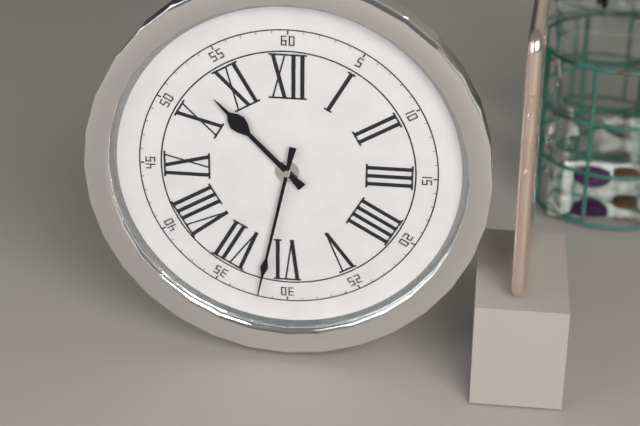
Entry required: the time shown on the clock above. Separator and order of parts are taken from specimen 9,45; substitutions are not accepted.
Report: 10,32
